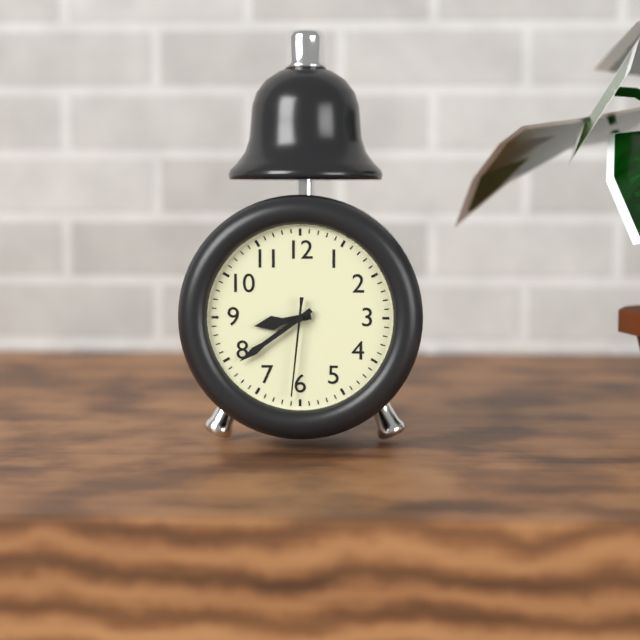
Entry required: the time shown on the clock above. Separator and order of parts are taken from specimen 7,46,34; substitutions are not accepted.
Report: 8,39,31
